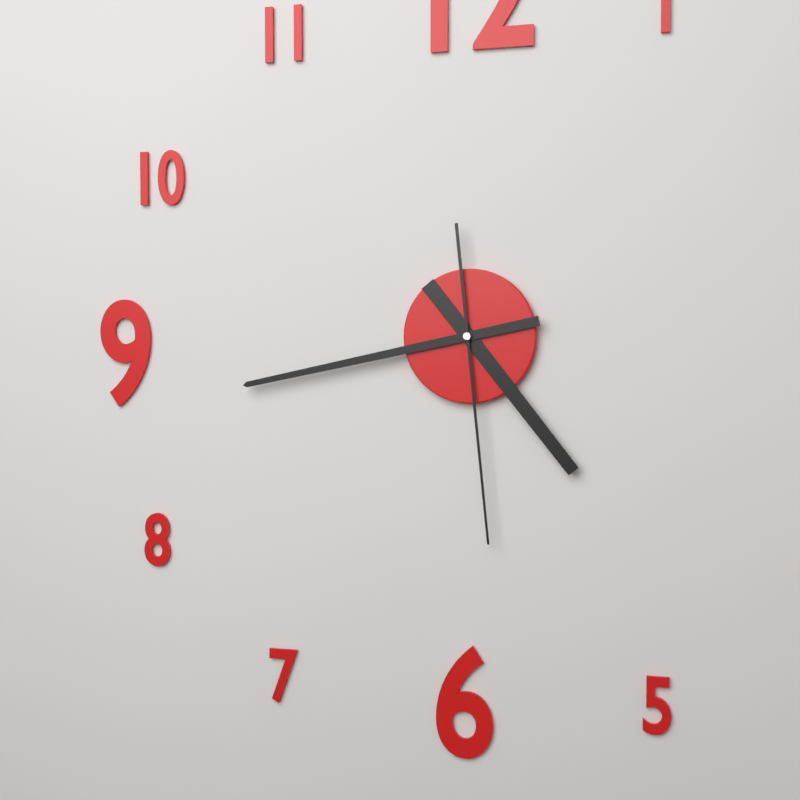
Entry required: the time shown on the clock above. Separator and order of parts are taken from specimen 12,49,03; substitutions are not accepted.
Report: 4,43,29
